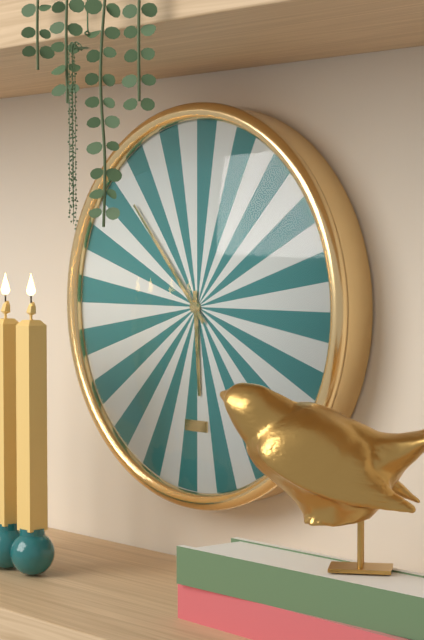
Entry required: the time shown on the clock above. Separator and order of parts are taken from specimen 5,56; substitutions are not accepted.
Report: 5,53
